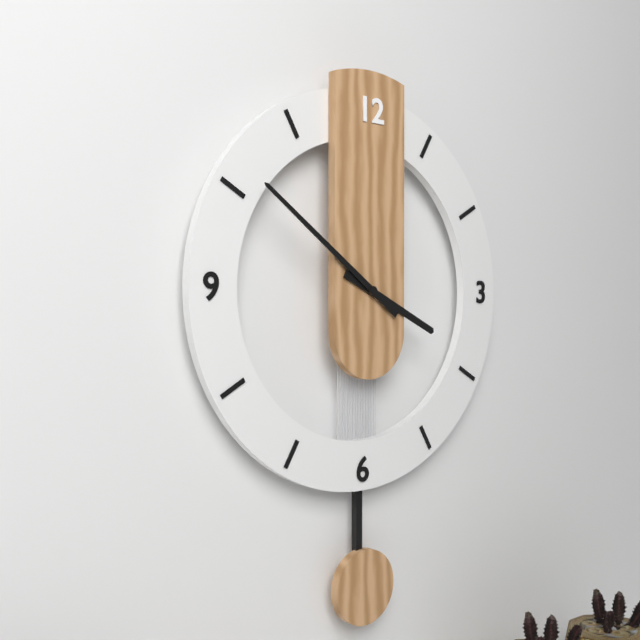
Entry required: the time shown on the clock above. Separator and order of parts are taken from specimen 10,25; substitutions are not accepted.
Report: 3,51
